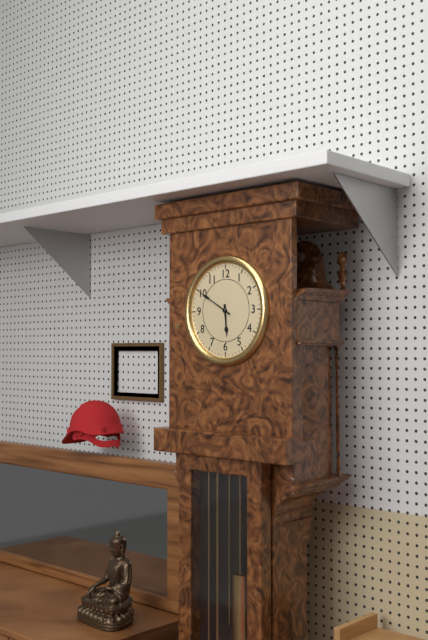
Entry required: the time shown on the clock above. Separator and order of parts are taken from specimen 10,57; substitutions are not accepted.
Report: 5,50
